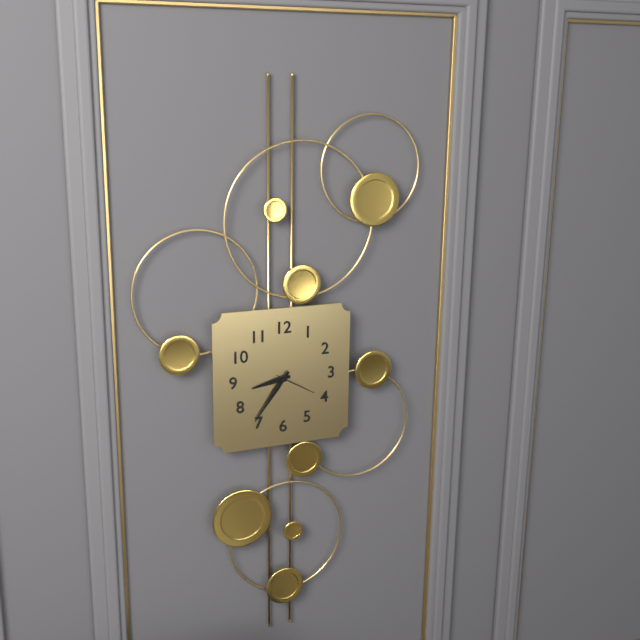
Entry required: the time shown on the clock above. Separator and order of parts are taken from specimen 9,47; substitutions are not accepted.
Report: 8,36
